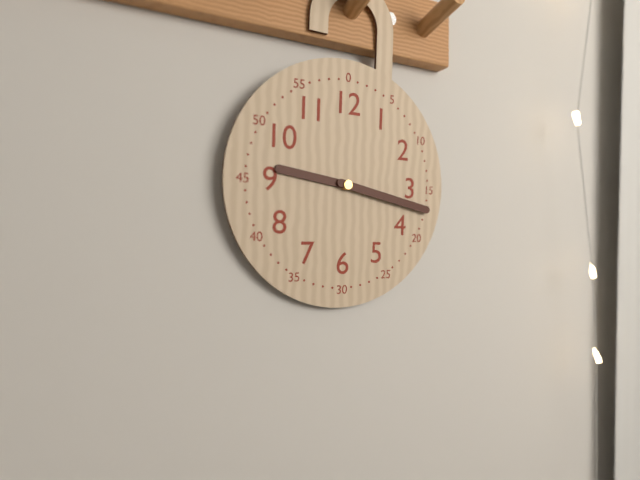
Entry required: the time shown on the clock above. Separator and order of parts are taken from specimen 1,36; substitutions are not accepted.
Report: 9,17
